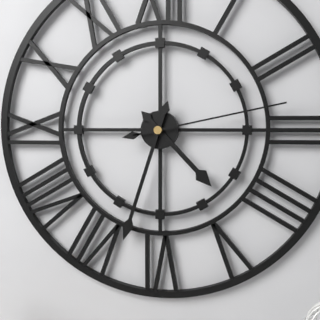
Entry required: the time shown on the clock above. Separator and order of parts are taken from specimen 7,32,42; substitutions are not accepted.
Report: 4,33,13
